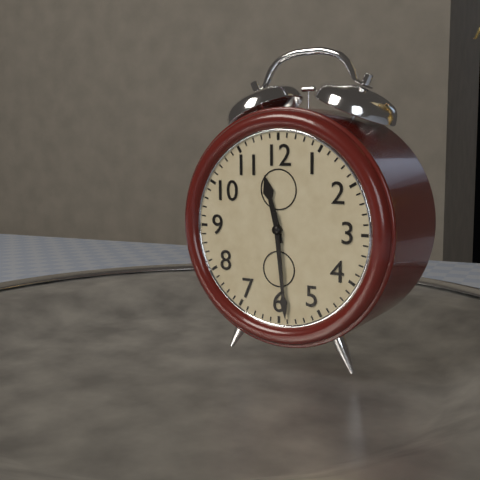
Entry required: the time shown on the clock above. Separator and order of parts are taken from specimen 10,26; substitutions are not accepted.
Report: 11,29
